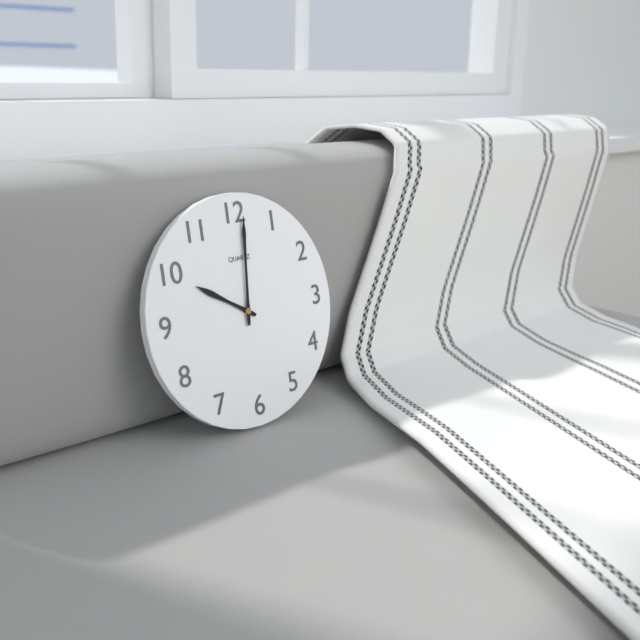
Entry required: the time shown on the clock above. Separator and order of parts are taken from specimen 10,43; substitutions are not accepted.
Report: 10,01
